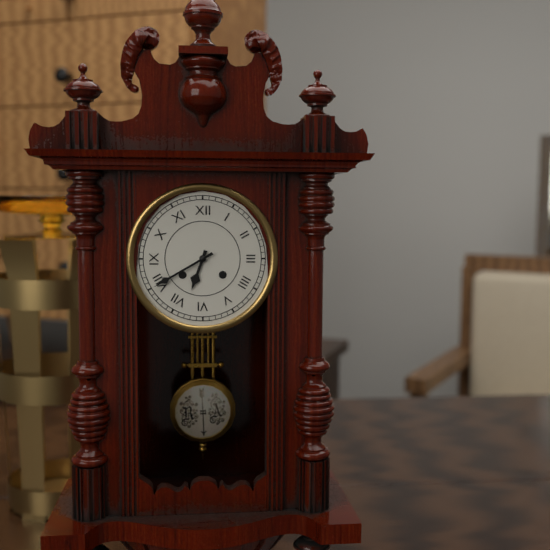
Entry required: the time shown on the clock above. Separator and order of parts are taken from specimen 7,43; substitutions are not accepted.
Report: 6,40
